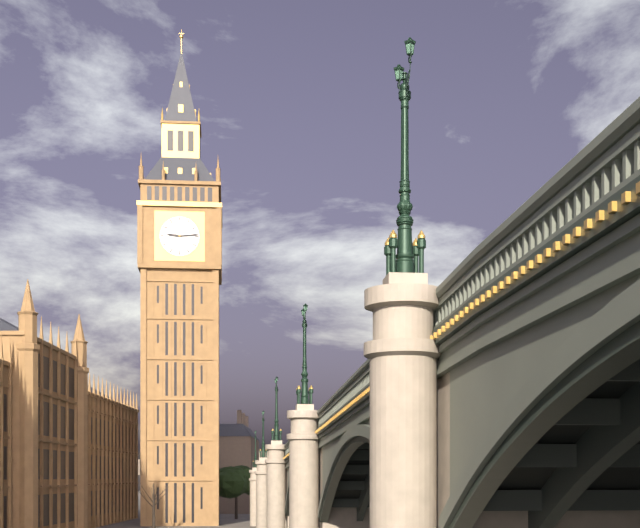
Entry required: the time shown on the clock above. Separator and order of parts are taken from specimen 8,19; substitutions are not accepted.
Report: 9,14
